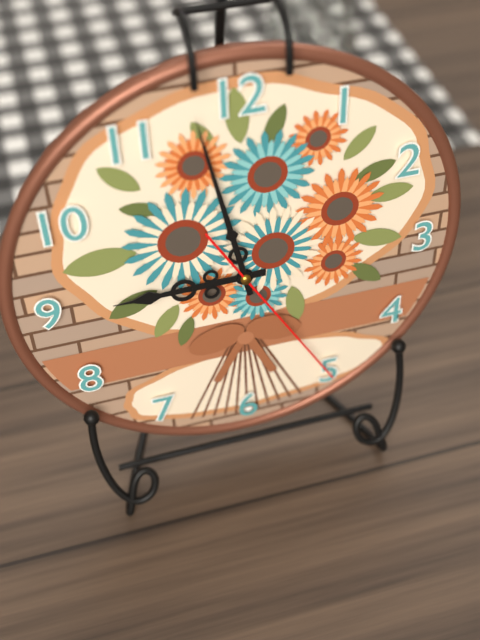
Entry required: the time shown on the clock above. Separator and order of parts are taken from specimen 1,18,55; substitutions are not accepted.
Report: 8,58,25
